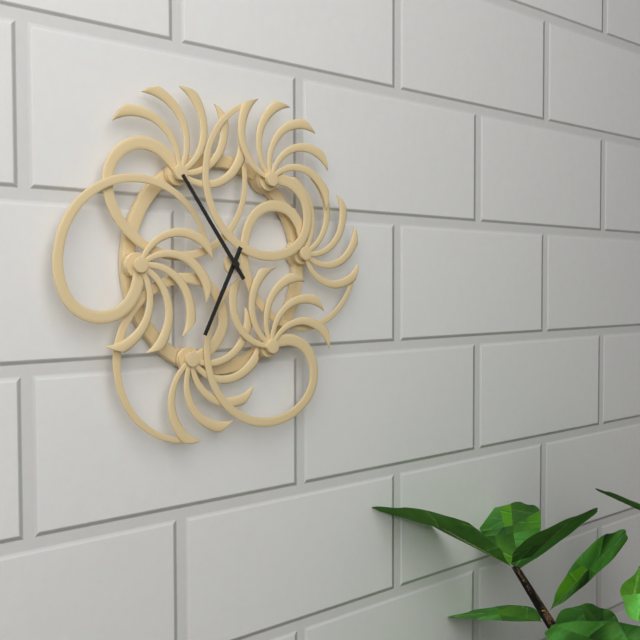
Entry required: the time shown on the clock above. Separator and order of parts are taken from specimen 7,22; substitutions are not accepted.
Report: 6,54
